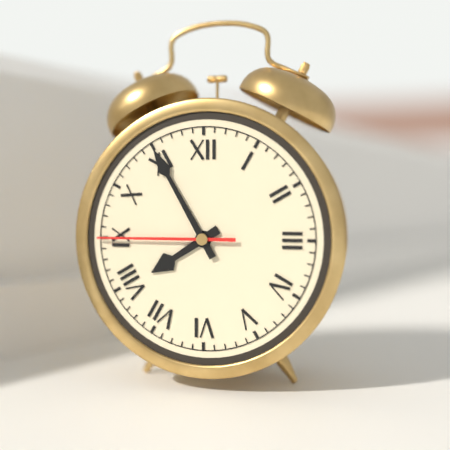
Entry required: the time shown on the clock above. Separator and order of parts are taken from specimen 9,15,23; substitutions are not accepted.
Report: 7,55,45
